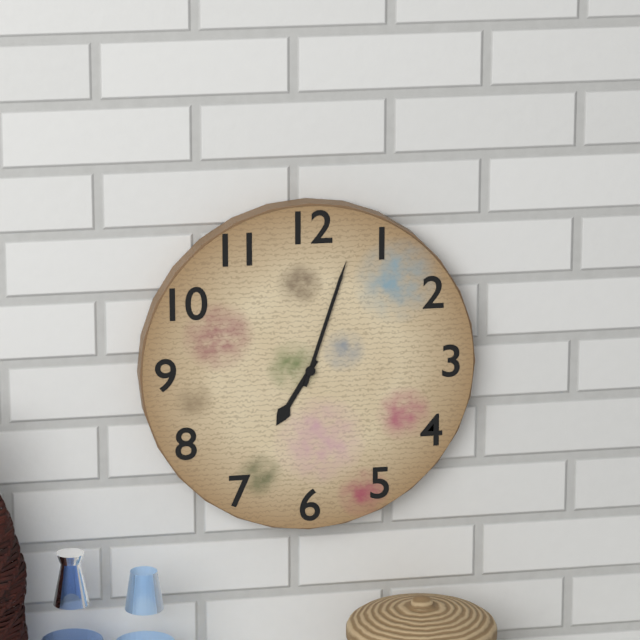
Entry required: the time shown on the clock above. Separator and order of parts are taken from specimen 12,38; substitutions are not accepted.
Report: 7,03
